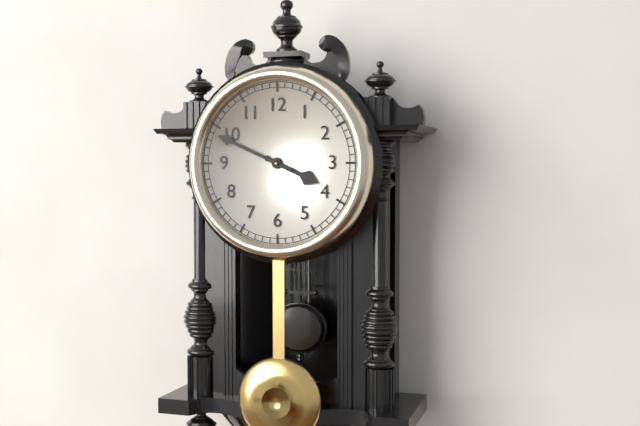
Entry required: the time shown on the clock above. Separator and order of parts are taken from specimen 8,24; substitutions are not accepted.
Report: 3,49
